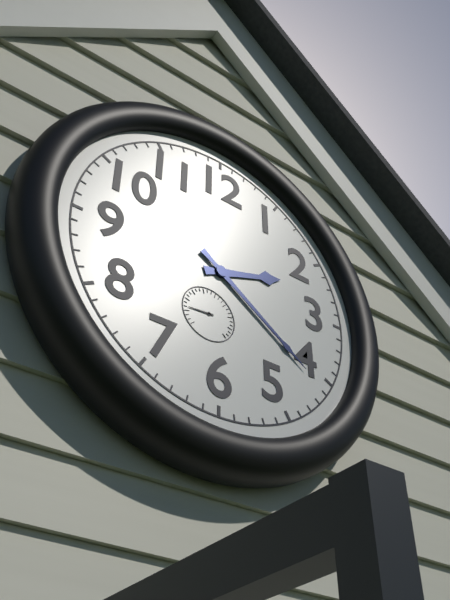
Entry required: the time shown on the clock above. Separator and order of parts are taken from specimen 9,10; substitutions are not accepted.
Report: 2,21
